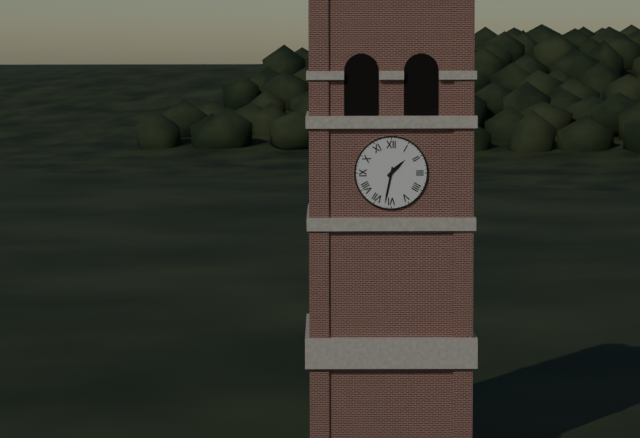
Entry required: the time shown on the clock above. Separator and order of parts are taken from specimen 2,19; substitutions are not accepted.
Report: 1,32
